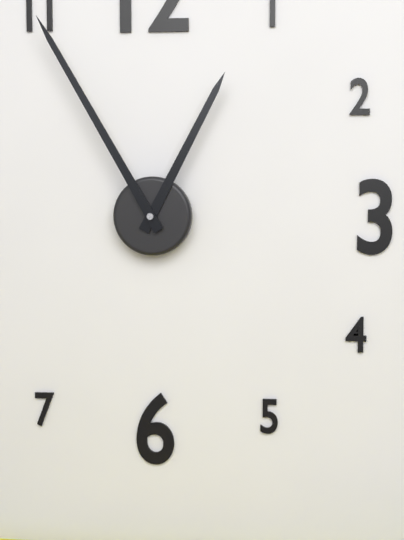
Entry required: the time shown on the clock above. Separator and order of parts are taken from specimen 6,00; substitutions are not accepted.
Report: 12,55
